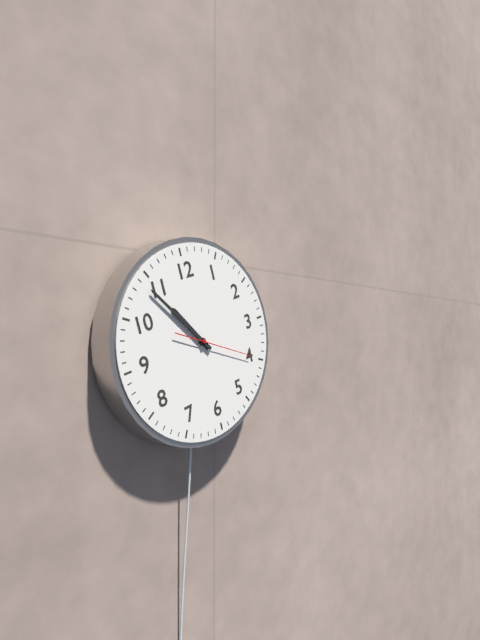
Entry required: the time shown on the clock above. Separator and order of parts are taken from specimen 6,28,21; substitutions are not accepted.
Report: 10,54,20
